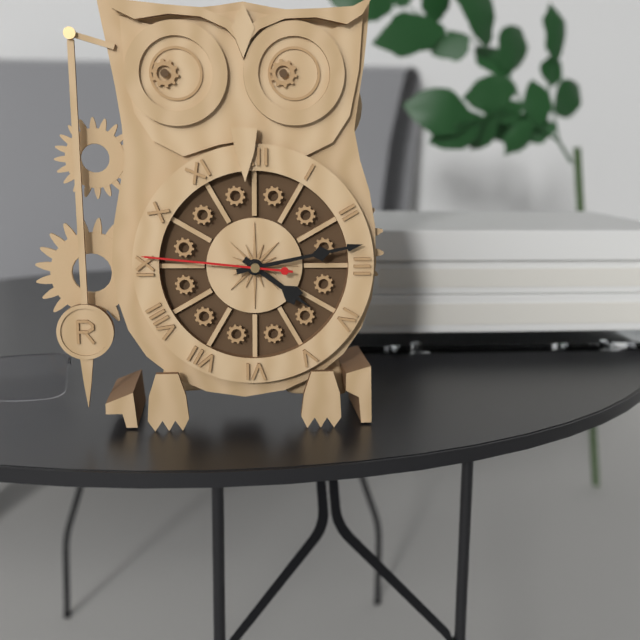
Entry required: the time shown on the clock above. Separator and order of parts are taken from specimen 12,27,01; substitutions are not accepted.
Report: 4,13,46
